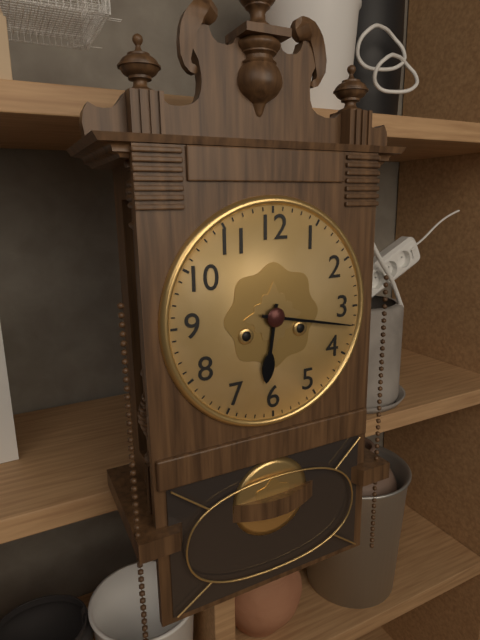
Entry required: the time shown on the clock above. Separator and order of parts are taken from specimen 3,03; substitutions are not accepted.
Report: 6,17
